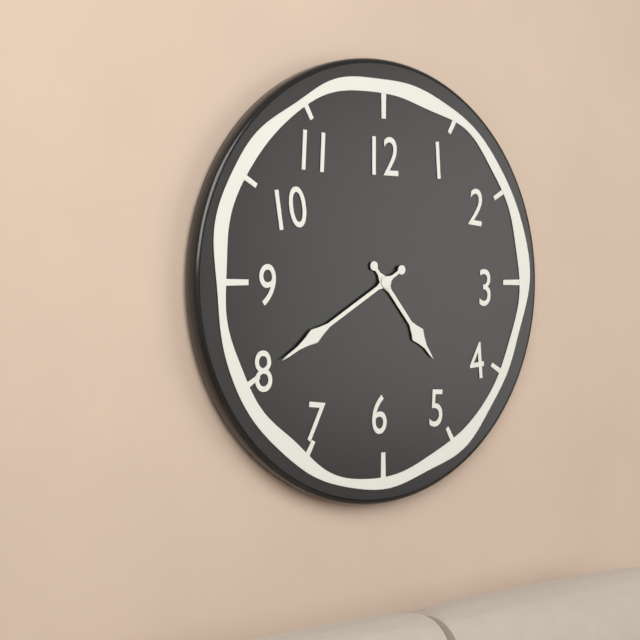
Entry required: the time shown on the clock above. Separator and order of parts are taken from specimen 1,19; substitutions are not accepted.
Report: 4,40
